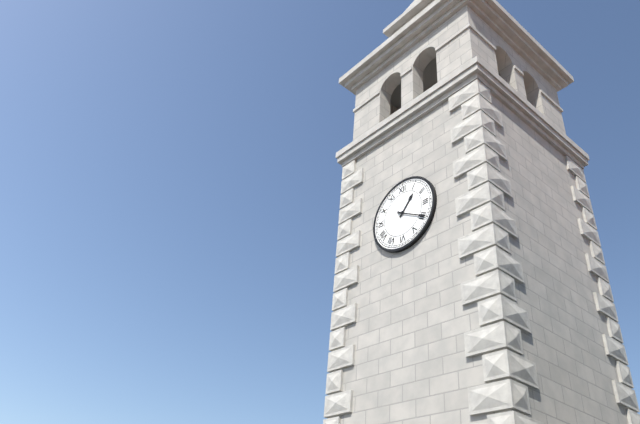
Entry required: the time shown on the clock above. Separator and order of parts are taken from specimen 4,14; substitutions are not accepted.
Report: 1,20
